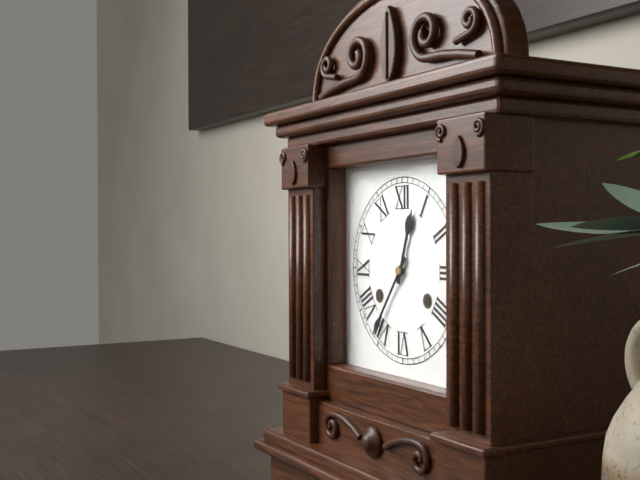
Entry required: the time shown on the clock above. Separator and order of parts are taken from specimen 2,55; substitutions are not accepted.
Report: 12,36
